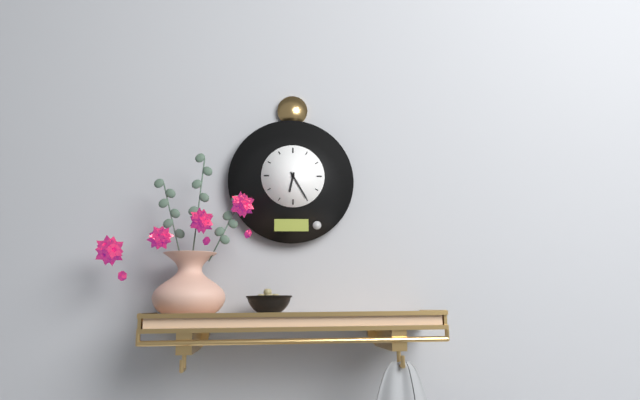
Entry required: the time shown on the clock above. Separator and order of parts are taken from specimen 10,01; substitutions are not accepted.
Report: 6,25
